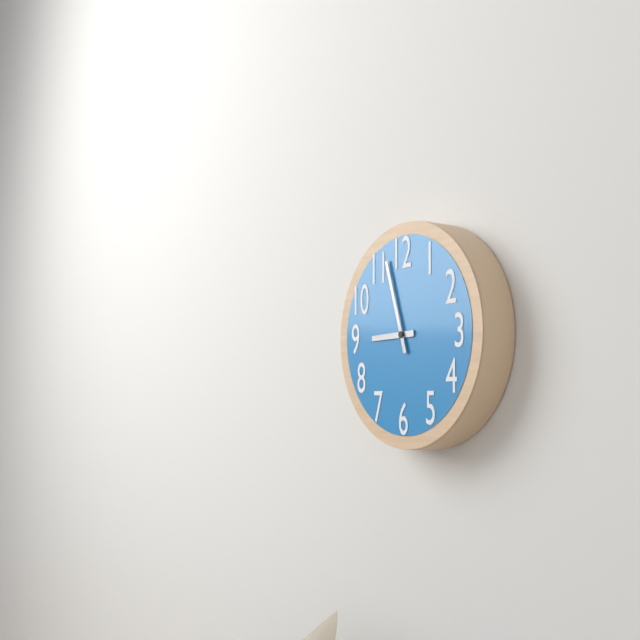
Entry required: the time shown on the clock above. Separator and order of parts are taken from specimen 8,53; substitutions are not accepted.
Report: 8,57
